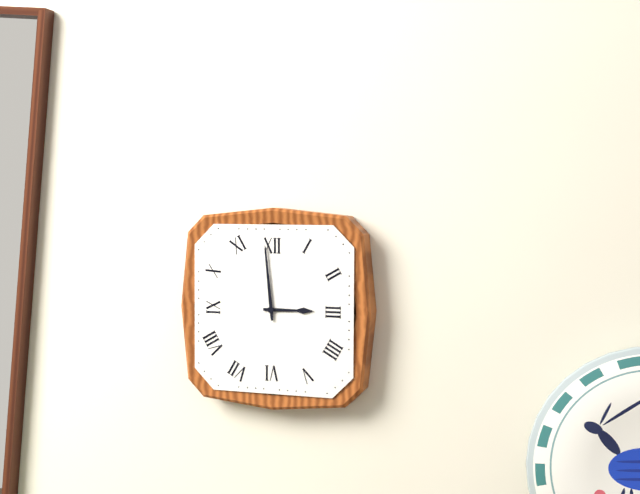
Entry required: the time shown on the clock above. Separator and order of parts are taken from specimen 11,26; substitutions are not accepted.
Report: 2,59
